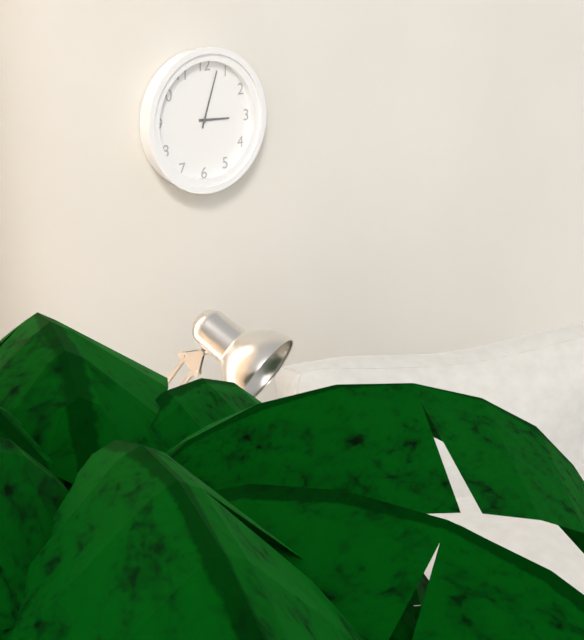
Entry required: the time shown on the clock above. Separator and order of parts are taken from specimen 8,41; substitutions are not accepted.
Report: 3,03
